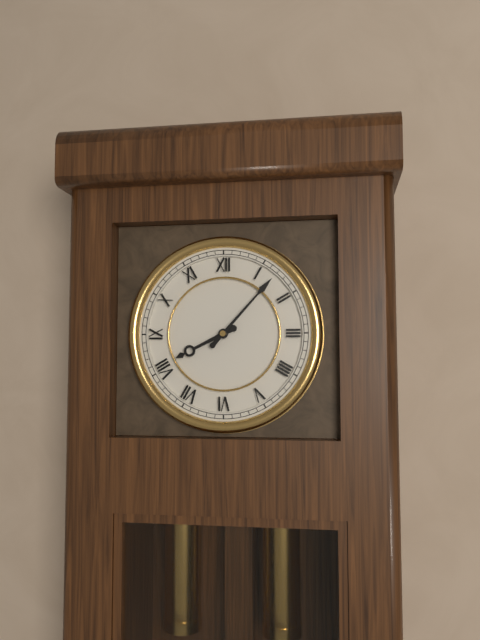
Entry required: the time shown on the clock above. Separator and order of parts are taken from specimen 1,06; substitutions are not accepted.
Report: 8,07
